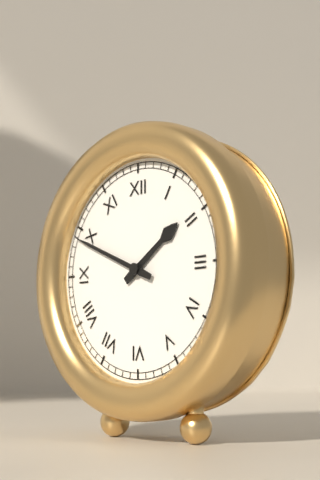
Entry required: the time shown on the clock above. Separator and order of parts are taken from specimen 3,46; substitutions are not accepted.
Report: 1,49
